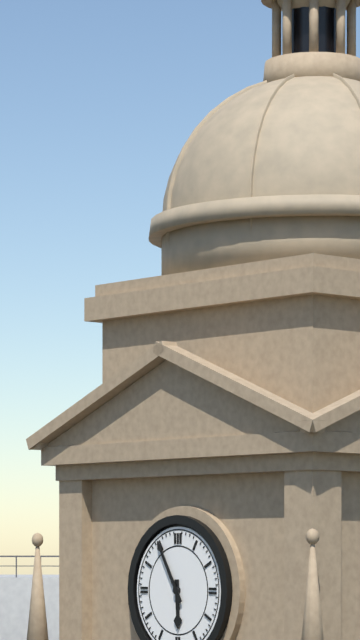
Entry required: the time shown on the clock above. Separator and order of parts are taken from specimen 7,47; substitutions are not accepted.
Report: 5,55
